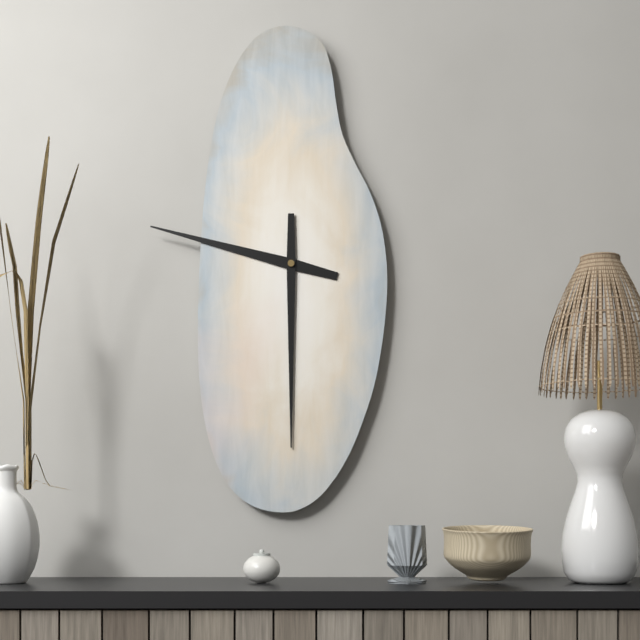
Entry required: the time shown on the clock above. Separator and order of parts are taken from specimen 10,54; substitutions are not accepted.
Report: 9,30
